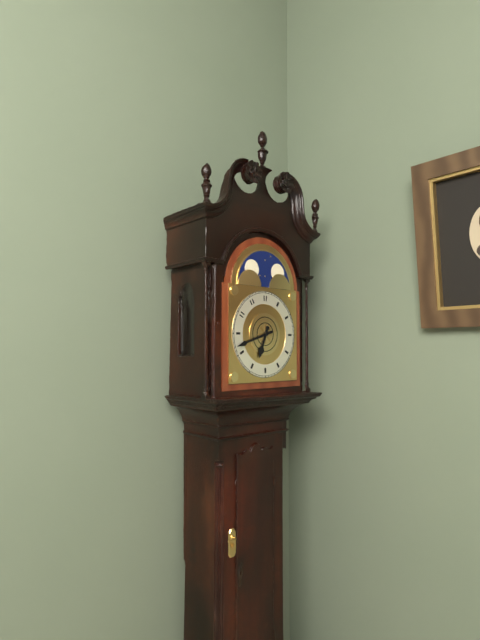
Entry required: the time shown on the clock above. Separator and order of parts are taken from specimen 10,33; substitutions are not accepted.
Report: 6,42
